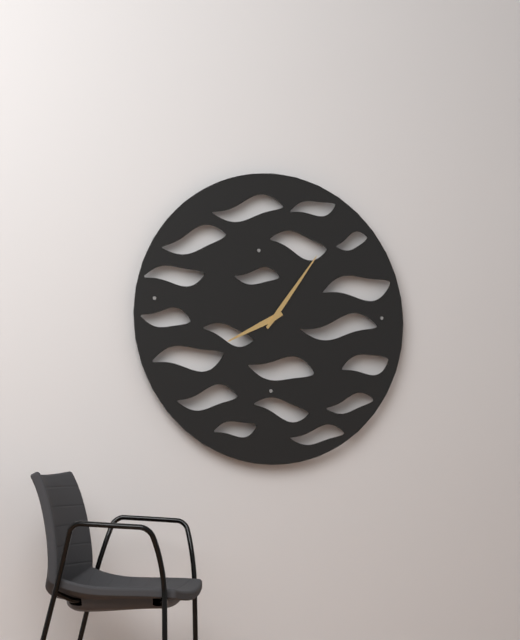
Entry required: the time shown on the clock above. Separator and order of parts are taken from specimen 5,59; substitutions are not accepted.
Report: 8,06
